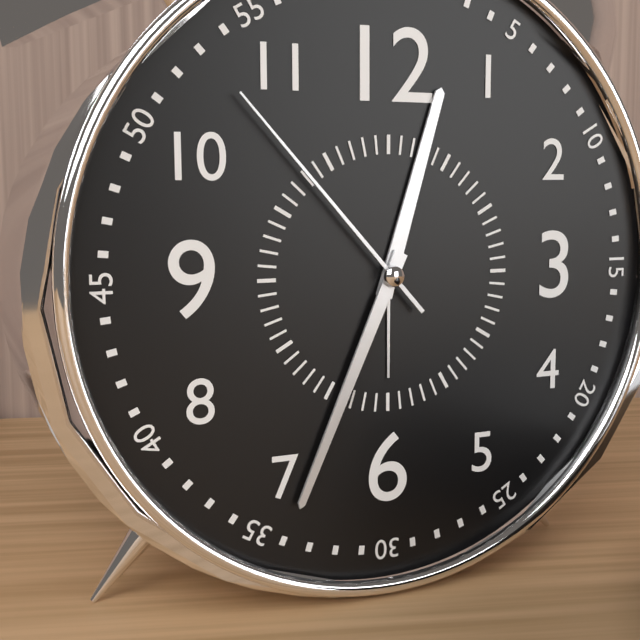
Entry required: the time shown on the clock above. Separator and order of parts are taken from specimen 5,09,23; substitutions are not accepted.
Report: 12,34,53
